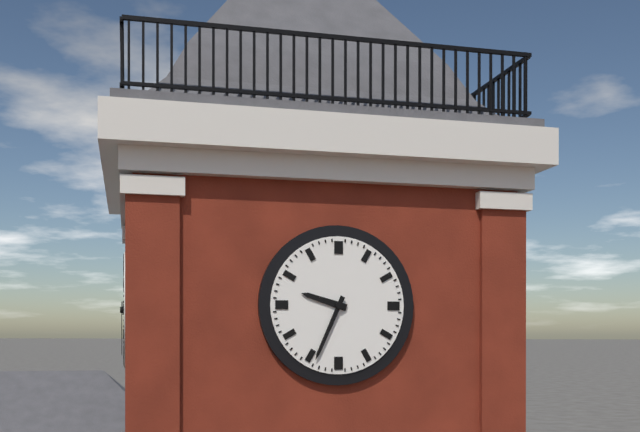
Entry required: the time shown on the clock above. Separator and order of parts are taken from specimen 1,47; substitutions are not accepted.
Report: 9,34
